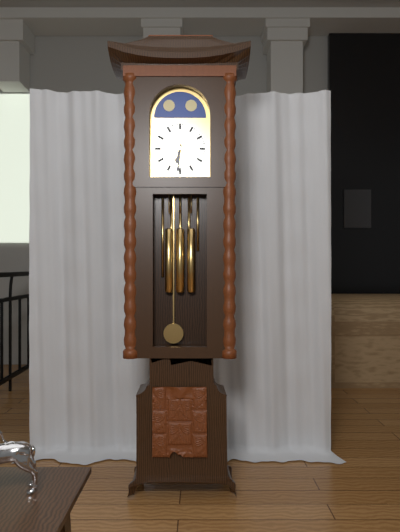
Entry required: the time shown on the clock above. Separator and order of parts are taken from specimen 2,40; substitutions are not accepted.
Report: 6,31
